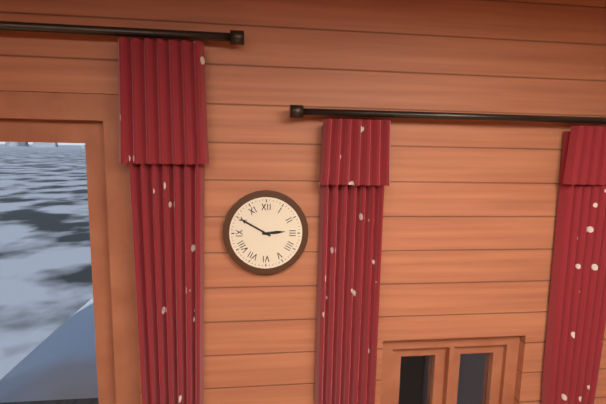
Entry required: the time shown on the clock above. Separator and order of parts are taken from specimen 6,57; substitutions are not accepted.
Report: 2,50
